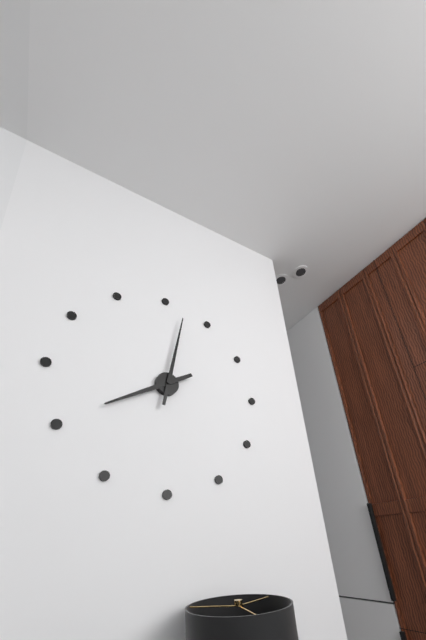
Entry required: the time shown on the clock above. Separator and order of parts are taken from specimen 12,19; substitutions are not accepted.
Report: 8,02
